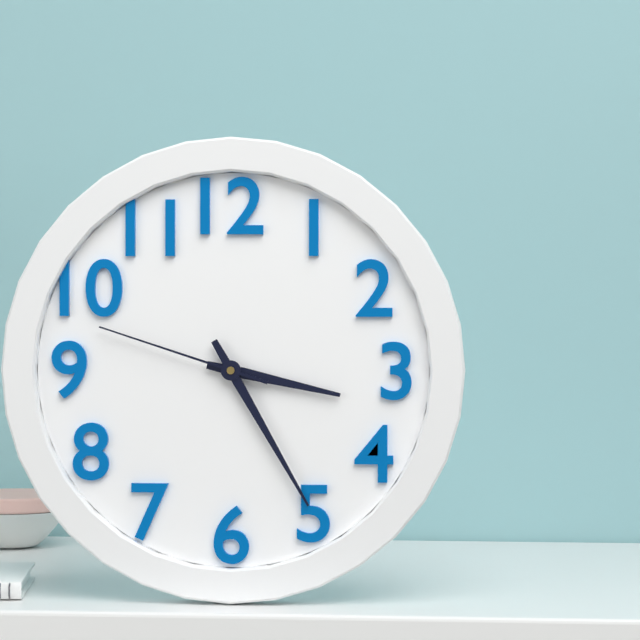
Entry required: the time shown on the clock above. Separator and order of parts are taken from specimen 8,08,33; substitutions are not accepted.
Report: 3,25,48
